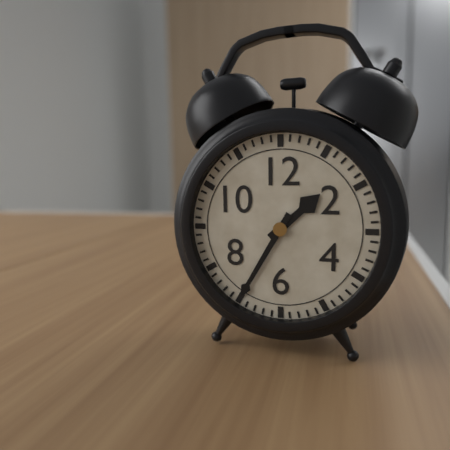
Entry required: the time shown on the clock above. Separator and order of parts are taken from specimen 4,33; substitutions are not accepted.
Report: 1,35
